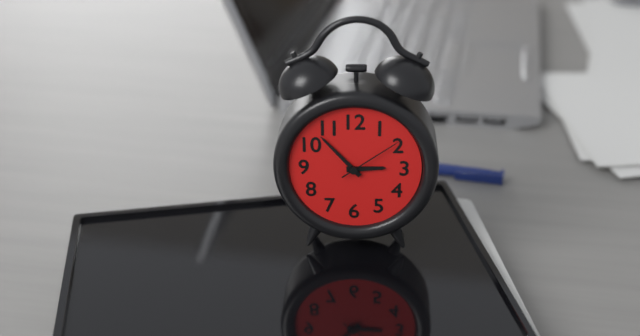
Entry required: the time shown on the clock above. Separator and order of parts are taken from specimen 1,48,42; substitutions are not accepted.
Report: 2,53,09
